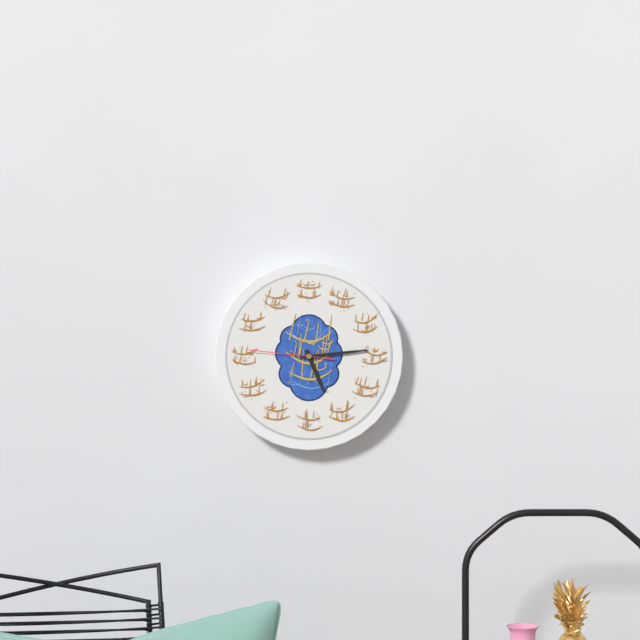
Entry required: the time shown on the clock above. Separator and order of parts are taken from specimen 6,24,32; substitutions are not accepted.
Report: 5,14,46
